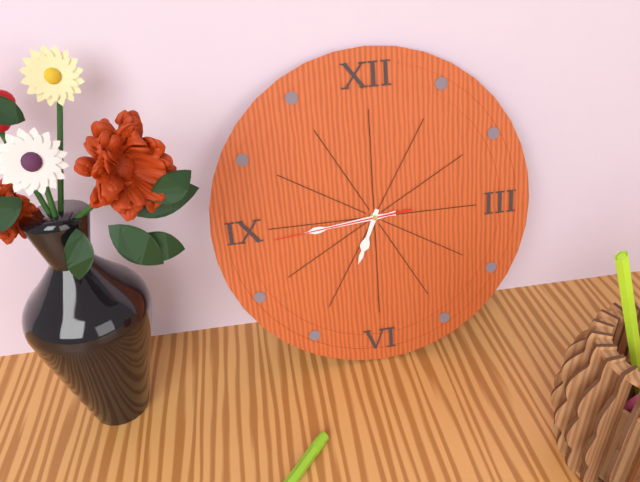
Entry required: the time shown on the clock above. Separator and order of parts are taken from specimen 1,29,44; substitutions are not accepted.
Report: 6,44,44
